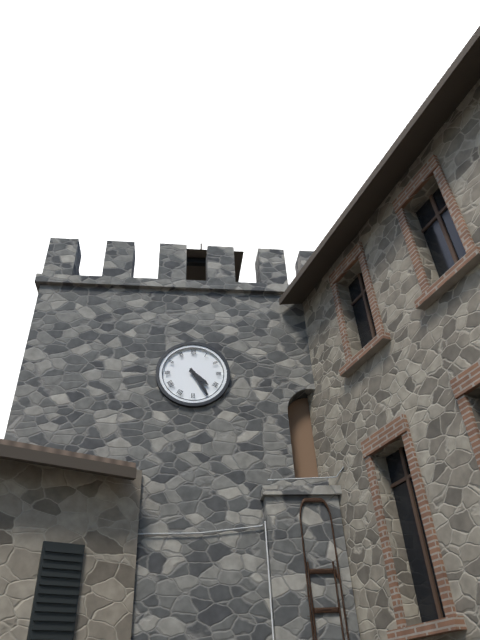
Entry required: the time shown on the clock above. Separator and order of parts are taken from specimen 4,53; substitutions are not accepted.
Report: 4,25
